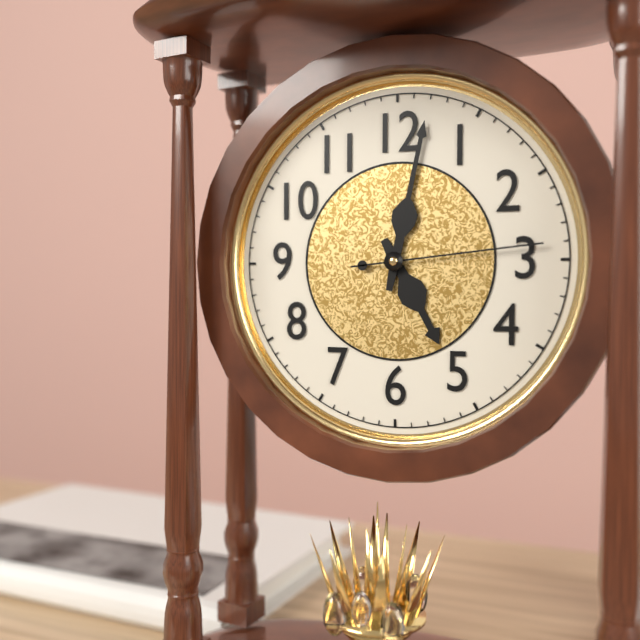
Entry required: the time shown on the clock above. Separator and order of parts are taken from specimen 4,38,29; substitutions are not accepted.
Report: 5,02,14
